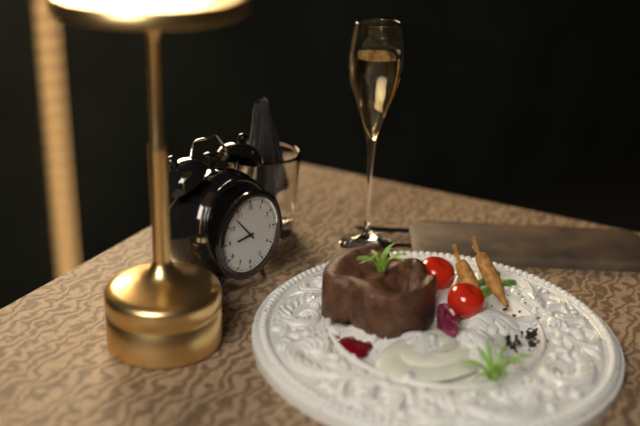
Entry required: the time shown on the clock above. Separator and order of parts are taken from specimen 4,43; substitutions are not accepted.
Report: 8,53
